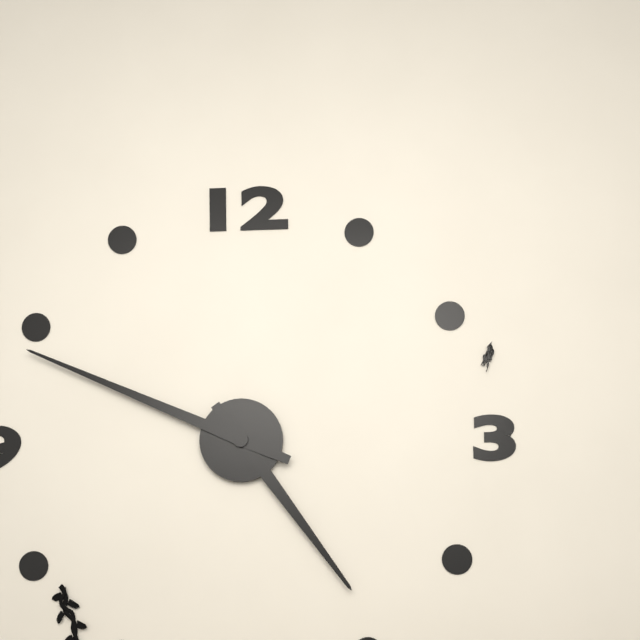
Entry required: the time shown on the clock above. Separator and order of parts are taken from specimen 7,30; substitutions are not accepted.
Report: 4,49
